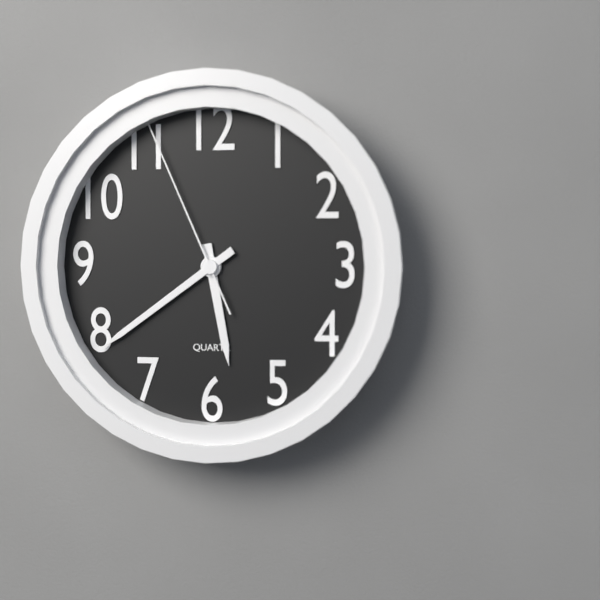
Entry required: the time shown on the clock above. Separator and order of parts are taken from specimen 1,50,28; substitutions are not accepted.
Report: 5,39,56
